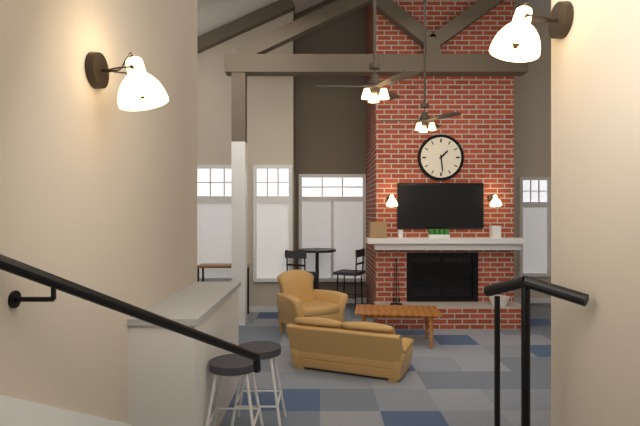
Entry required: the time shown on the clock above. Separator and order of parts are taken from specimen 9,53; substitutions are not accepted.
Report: 1,29
